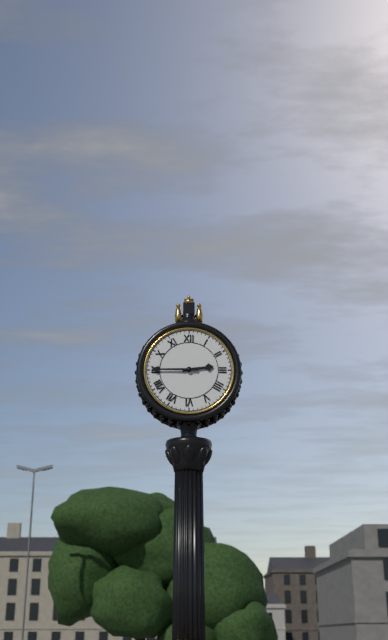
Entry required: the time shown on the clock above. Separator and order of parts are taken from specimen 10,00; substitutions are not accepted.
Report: 2,45
